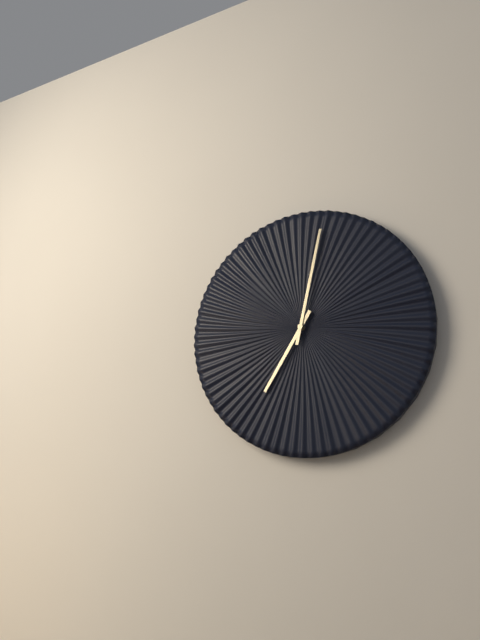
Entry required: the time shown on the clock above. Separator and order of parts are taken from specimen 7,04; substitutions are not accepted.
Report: 7,02
